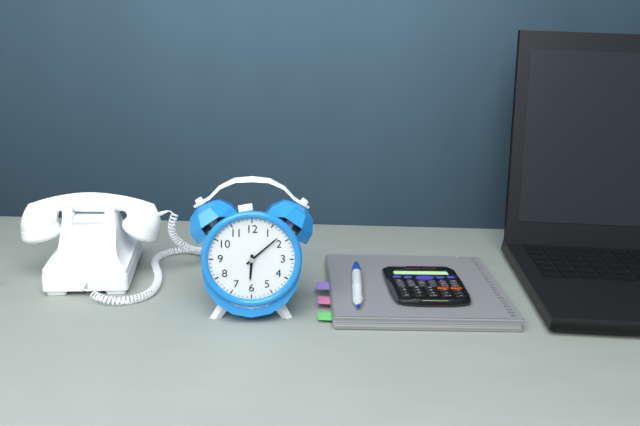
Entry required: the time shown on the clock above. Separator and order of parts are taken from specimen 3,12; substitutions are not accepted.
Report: 6,08
